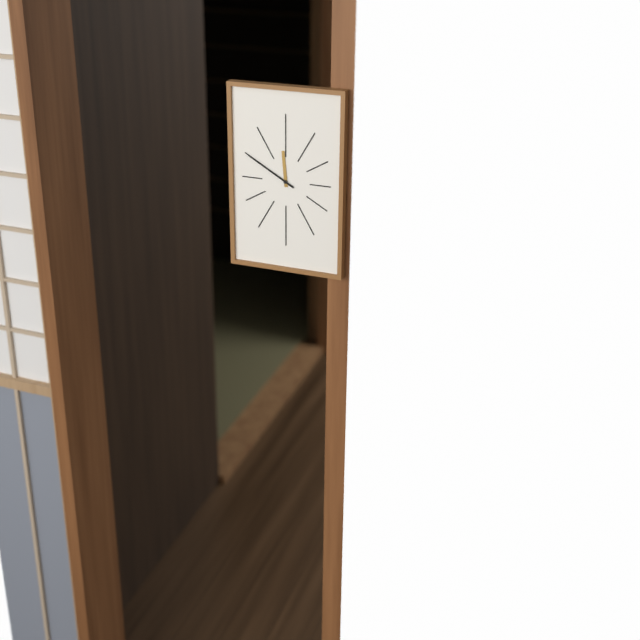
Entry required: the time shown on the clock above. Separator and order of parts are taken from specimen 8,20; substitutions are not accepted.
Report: 11,50
